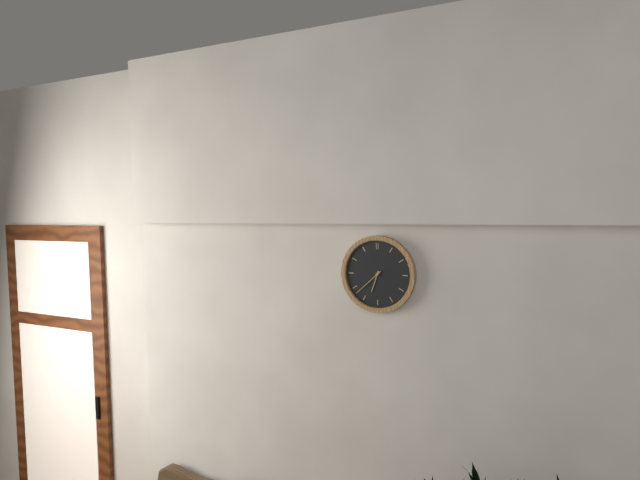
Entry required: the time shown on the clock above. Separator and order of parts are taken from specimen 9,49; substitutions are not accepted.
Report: 6,38
